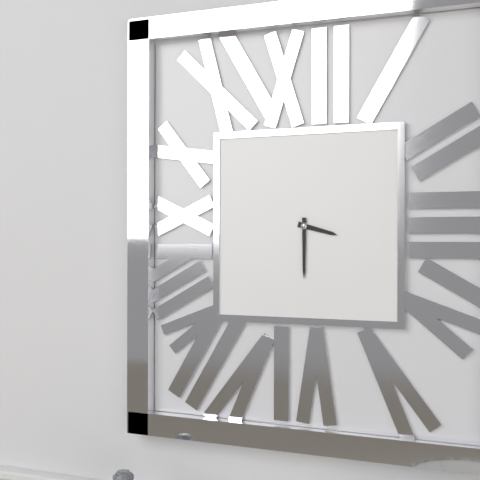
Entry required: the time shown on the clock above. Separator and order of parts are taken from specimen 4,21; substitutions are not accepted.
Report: 3,30
